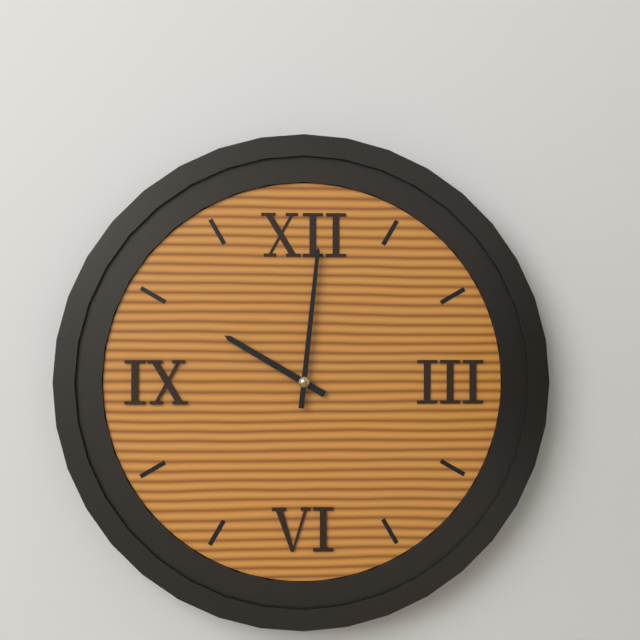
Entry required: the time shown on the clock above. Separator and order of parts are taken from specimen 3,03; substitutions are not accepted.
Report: 10,01
